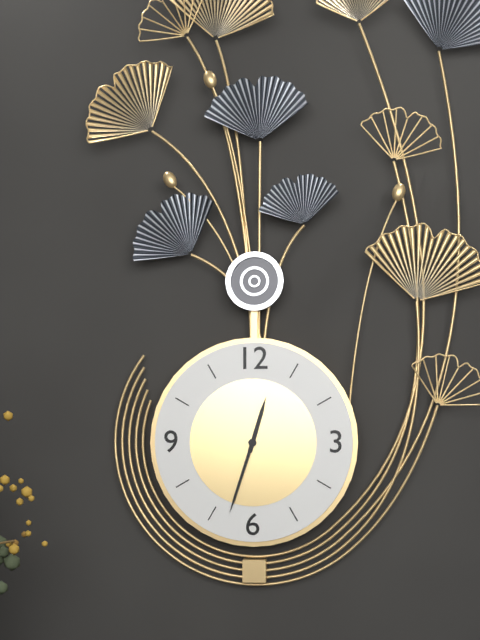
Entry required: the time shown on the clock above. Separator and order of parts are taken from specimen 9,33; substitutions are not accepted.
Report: 12,33
